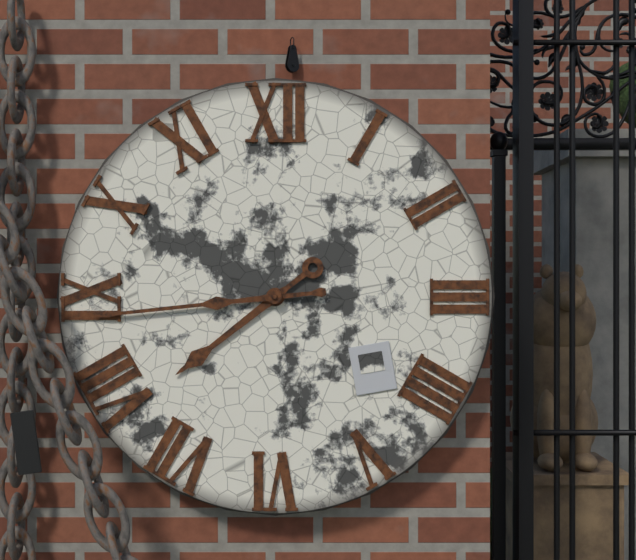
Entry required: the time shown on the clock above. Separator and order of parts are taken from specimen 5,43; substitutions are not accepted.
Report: 7,44
